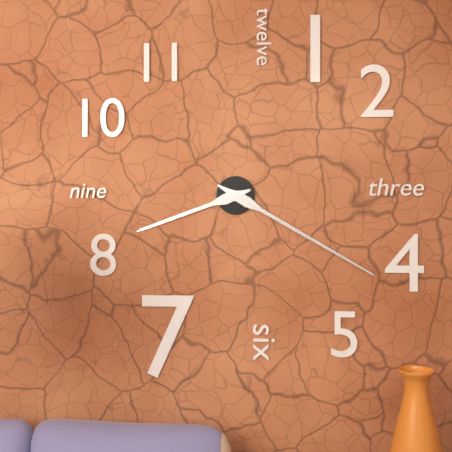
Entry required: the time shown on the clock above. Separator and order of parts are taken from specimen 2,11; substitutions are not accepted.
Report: 8,20
